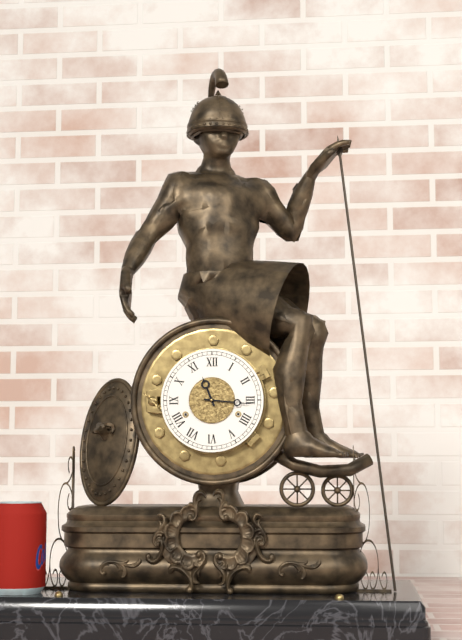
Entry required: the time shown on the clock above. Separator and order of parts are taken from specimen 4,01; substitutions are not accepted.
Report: 11,16
